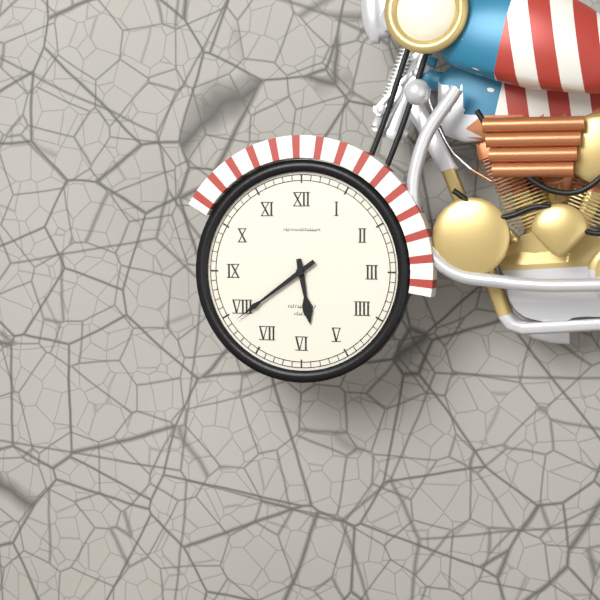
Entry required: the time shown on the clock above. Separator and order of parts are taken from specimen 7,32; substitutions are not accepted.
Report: 5,39
